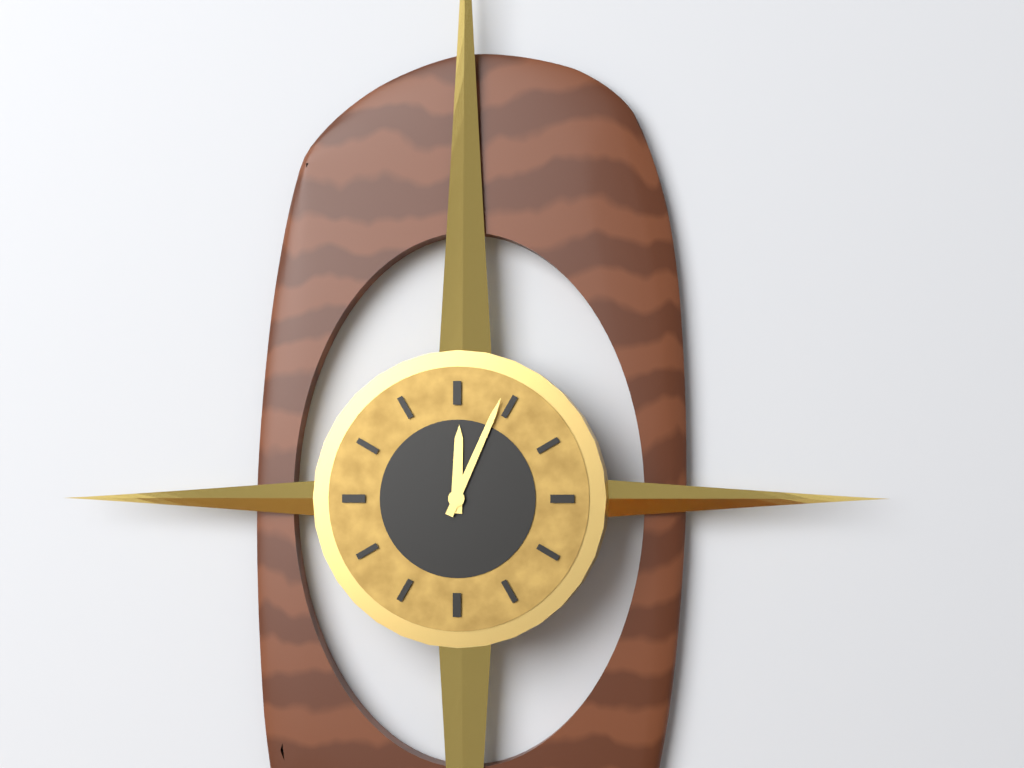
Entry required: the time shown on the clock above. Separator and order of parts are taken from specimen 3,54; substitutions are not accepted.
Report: 12,04
